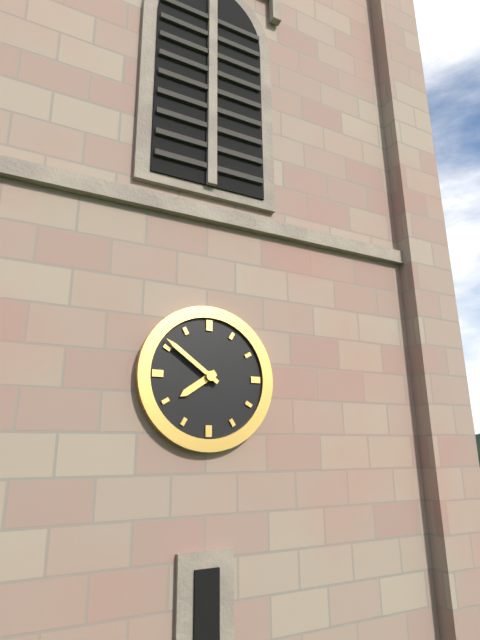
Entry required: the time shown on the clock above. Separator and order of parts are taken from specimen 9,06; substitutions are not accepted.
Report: 7,51
